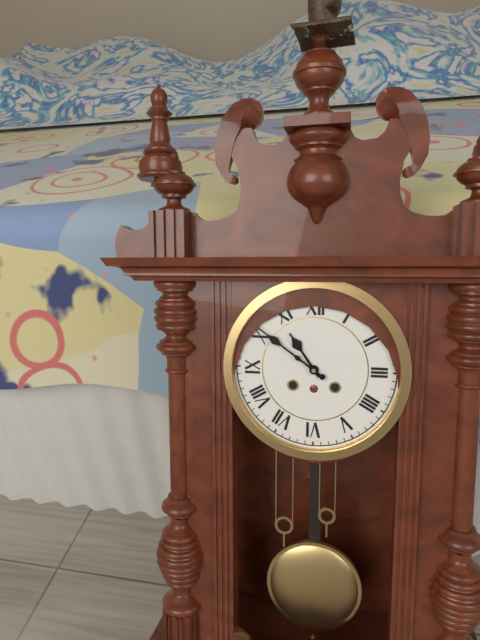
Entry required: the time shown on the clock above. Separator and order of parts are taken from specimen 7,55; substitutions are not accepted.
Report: 10,51
